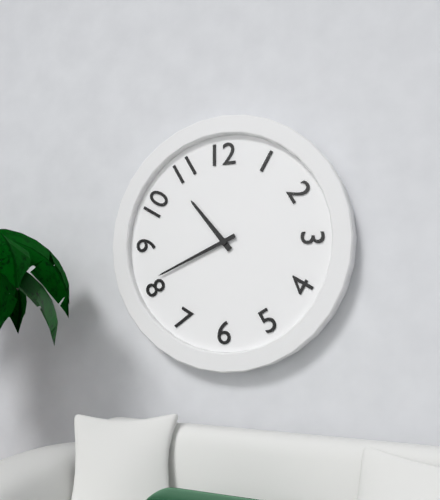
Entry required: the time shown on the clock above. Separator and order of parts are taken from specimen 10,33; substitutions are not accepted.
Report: 10,41
